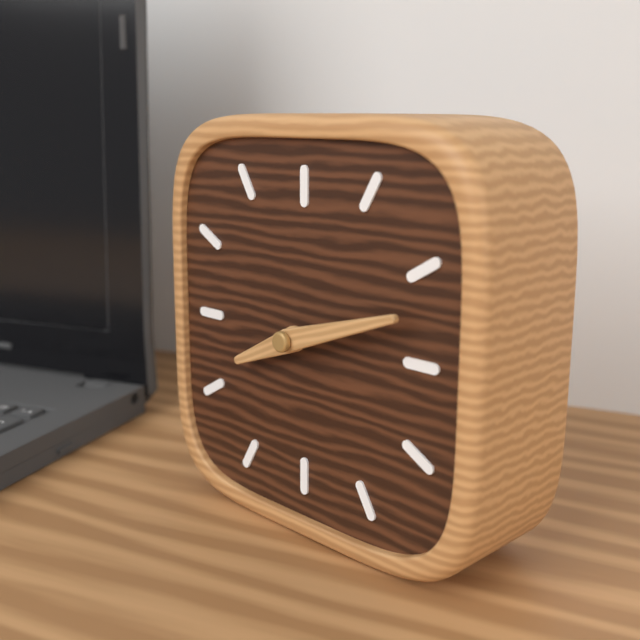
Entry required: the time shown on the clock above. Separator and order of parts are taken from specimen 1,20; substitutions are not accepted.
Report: 8,12
